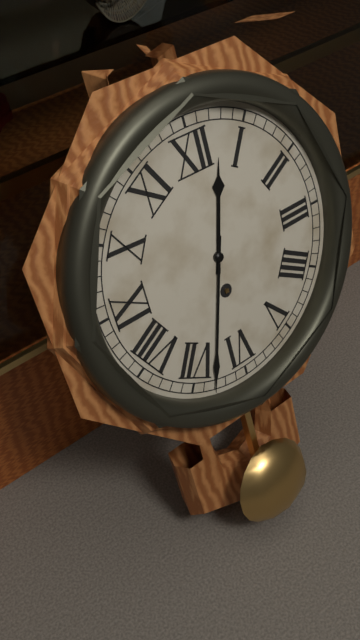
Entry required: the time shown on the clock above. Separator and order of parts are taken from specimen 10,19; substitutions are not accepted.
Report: 12,33
